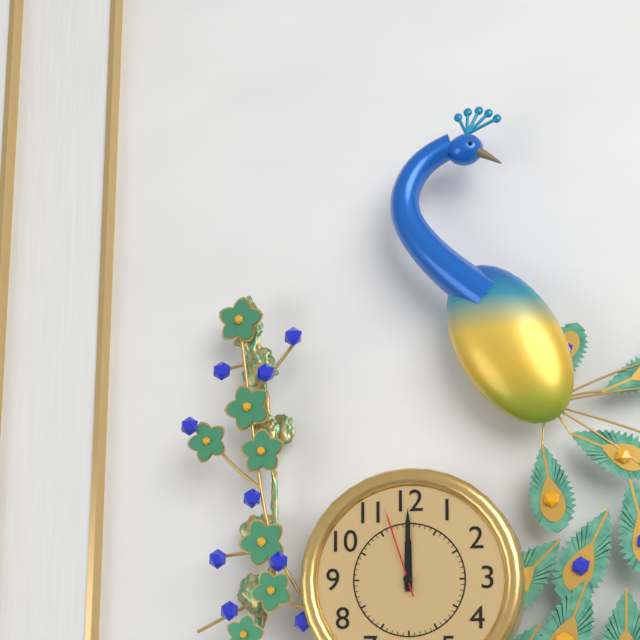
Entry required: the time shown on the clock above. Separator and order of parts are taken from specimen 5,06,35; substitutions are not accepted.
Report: 12,00,57
